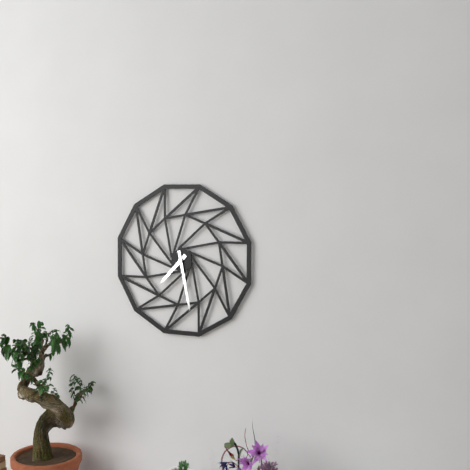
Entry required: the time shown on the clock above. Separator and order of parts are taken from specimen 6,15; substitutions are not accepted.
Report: 7,28
